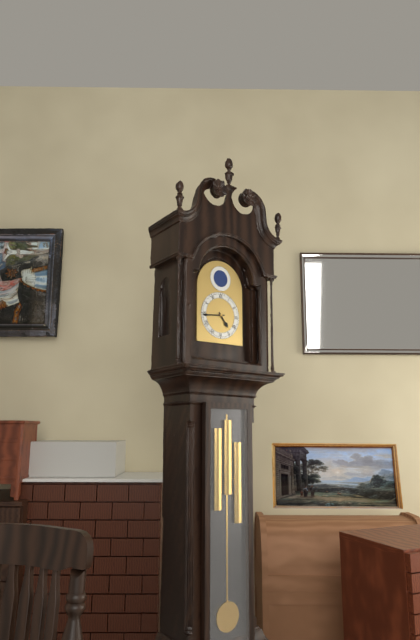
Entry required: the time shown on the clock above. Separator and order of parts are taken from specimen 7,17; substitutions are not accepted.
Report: 4,44
